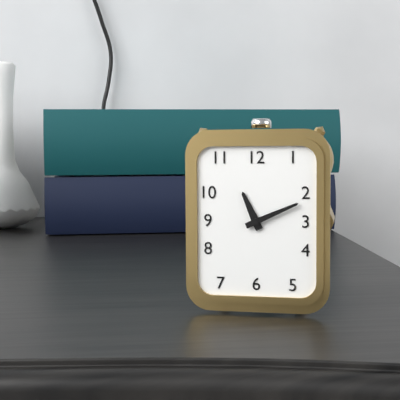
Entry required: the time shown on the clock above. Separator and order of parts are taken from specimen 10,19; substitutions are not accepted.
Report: 11,11
